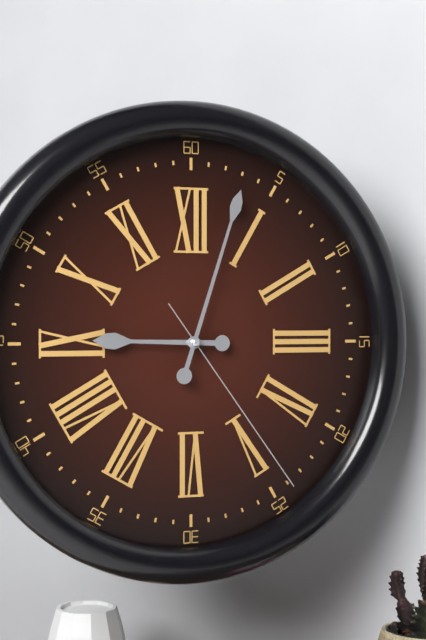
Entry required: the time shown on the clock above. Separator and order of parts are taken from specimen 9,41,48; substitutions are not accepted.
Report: 9,03,24
